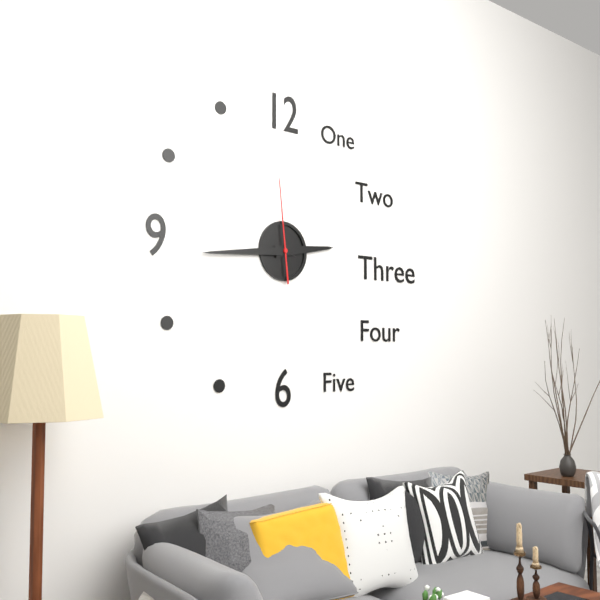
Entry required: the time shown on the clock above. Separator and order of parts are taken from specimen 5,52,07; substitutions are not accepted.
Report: 2,44,59
